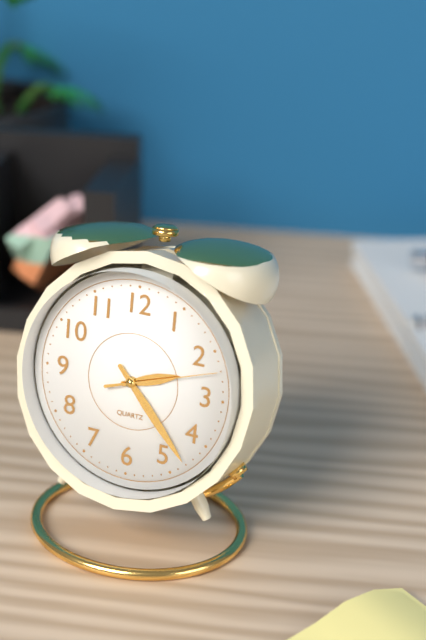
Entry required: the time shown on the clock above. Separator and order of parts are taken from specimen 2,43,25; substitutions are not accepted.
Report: 2,23,12
